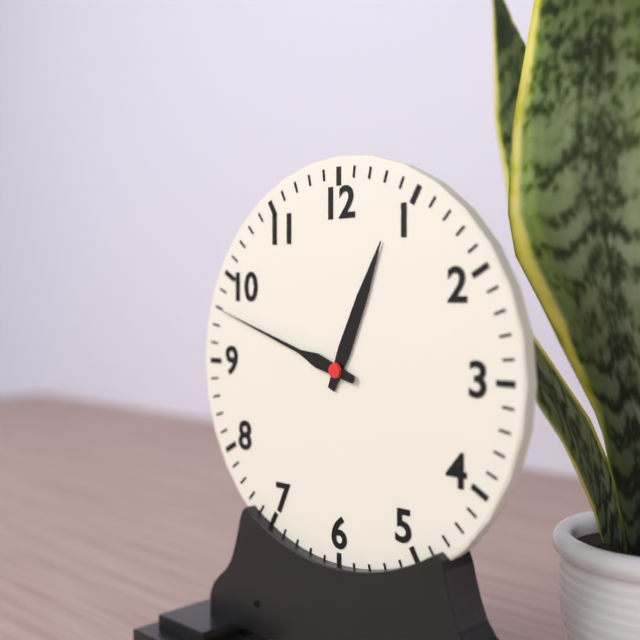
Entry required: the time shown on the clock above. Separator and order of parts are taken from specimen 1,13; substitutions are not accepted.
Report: 12,48
